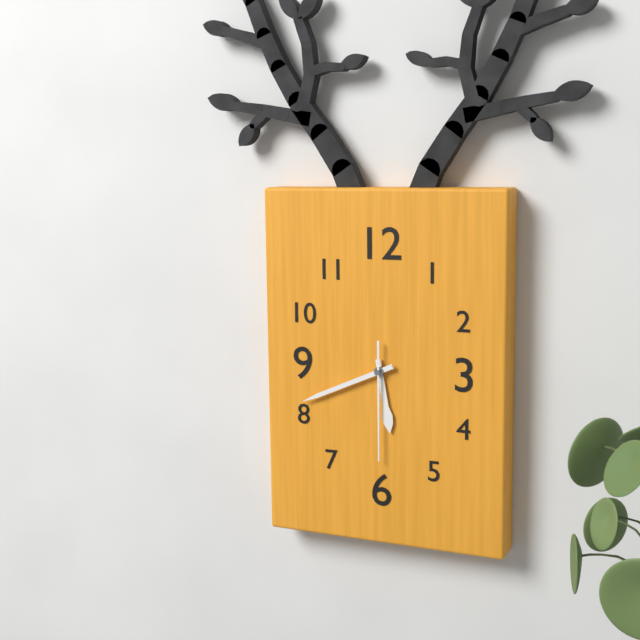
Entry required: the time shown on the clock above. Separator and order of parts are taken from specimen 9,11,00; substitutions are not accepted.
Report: 5,41,30
